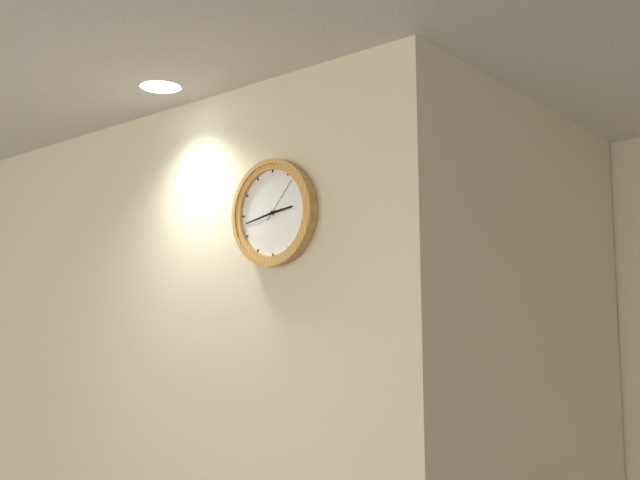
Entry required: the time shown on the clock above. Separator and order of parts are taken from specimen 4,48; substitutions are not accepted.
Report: 2,43
